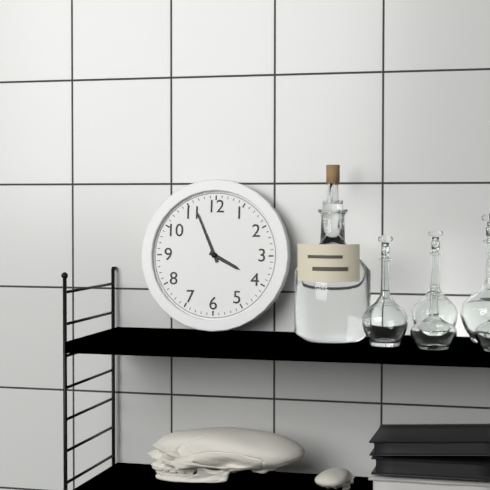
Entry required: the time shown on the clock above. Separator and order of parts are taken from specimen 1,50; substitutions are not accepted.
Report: 3,56
